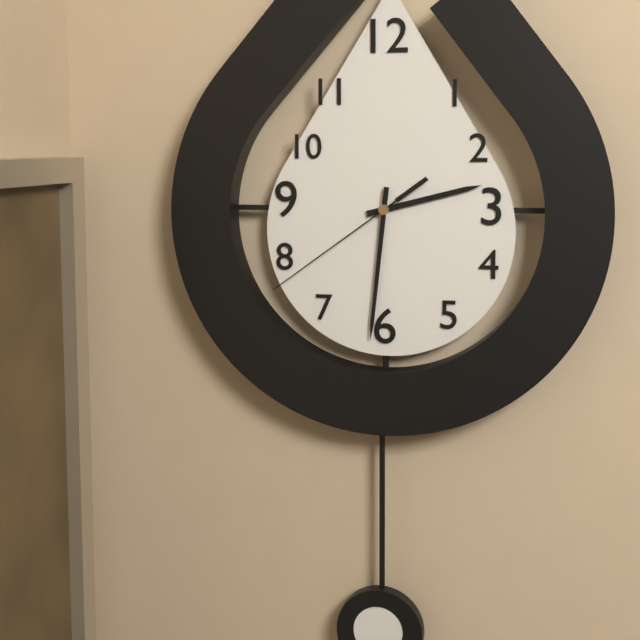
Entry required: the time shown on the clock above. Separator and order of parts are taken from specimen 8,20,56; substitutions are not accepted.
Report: 2,31,39
